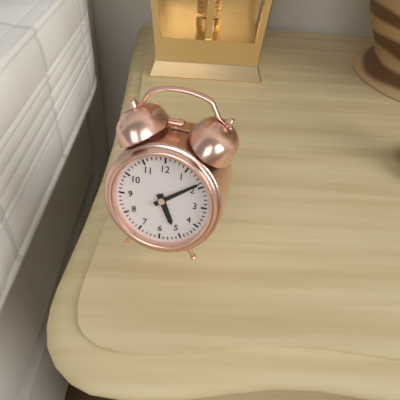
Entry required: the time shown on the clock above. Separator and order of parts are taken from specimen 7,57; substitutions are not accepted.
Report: 5,09
